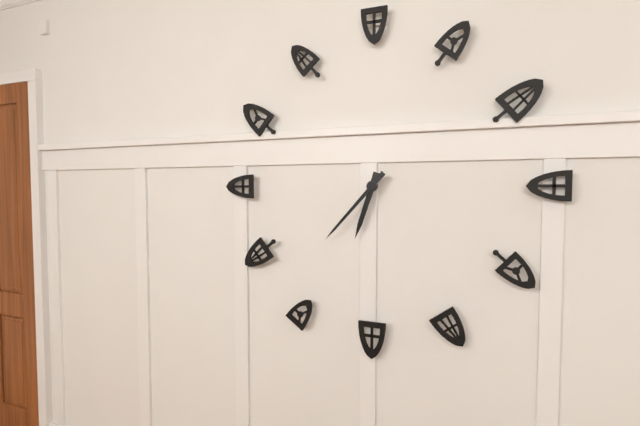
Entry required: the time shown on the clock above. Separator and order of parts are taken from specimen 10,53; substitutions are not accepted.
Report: 6,37
